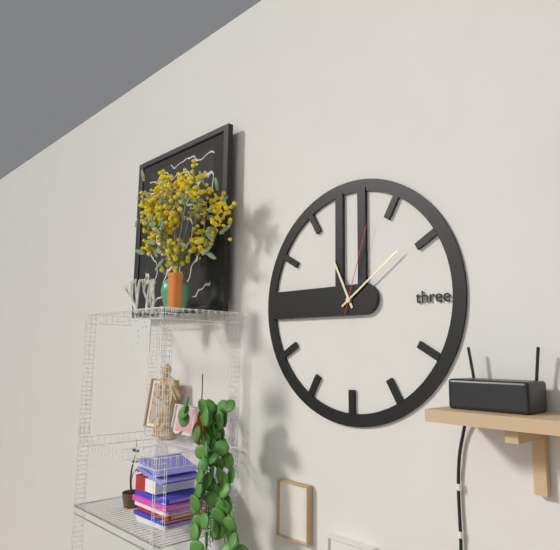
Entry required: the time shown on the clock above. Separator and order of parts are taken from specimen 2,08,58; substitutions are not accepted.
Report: 11,09,03
